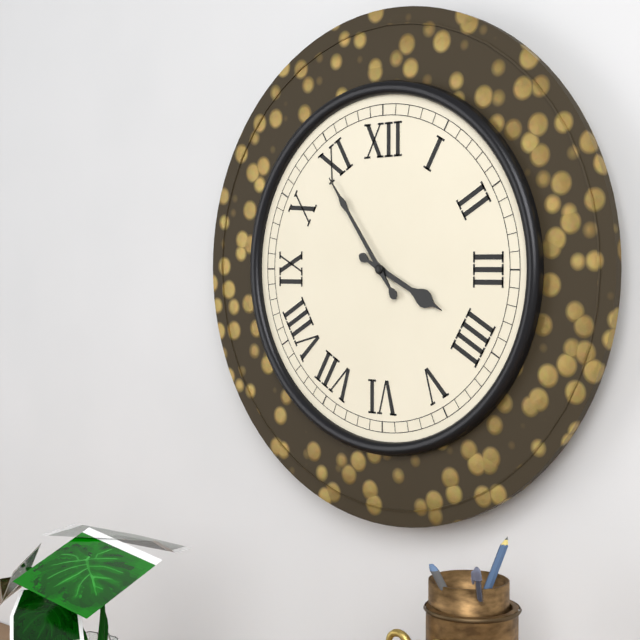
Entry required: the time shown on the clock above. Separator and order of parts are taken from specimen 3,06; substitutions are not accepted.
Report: 3,54
